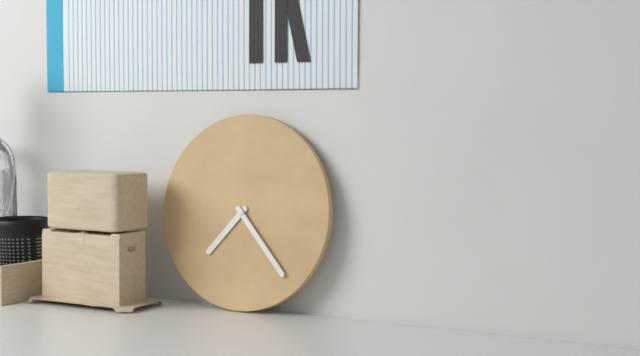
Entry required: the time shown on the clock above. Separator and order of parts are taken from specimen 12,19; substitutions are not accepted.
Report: 7,23
